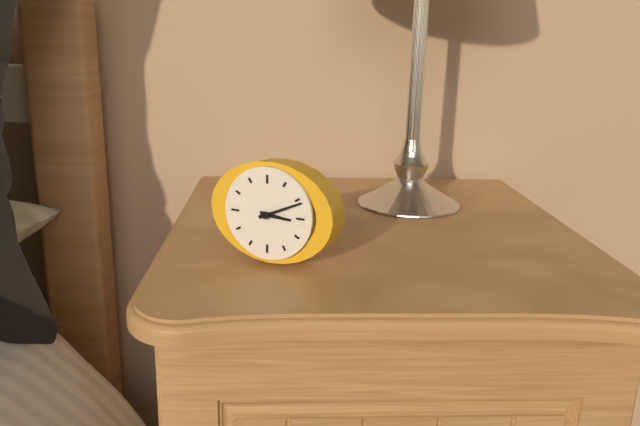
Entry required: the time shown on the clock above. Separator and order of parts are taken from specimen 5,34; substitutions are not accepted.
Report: 3,11
